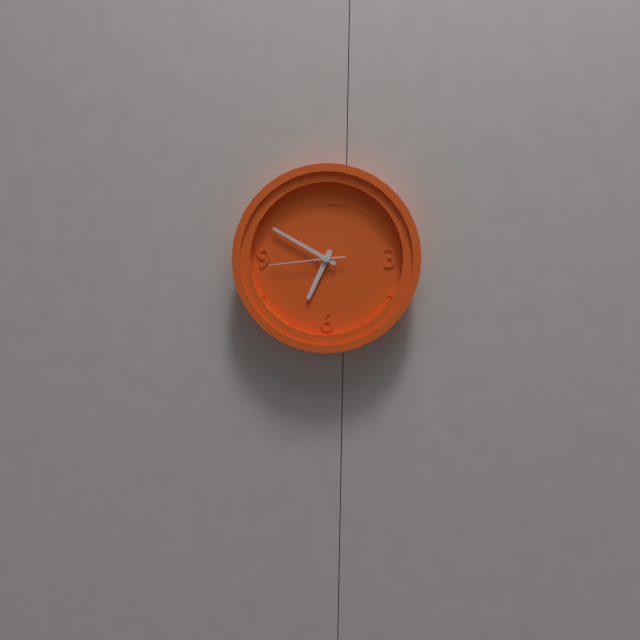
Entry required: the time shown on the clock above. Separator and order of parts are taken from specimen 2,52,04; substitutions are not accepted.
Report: 6,50,44
